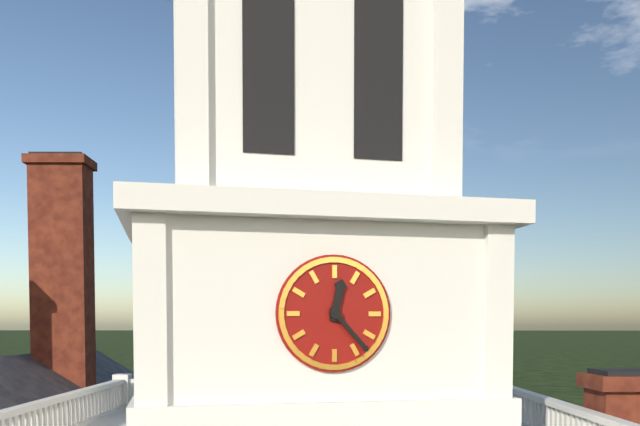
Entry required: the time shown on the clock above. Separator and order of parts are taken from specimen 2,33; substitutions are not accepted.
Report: 12,23
